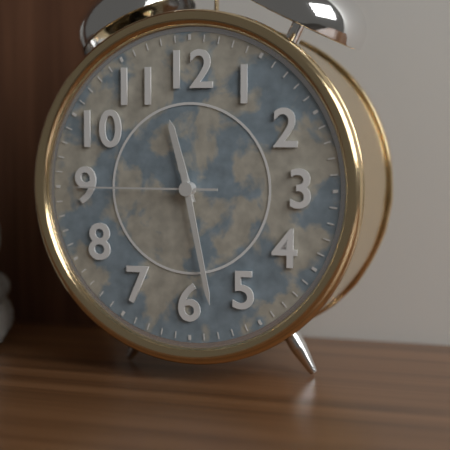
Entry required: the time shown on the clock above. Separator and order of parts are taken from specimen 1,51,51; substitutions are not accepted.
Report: 11,28,45
